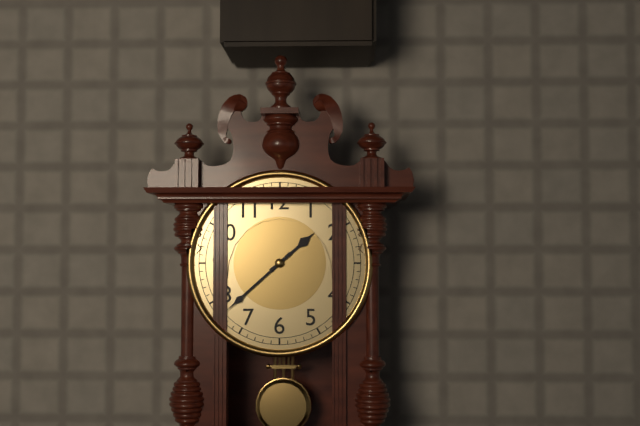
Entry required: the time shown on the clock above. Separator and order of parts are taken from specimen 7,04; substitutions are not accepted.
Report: 1,38
